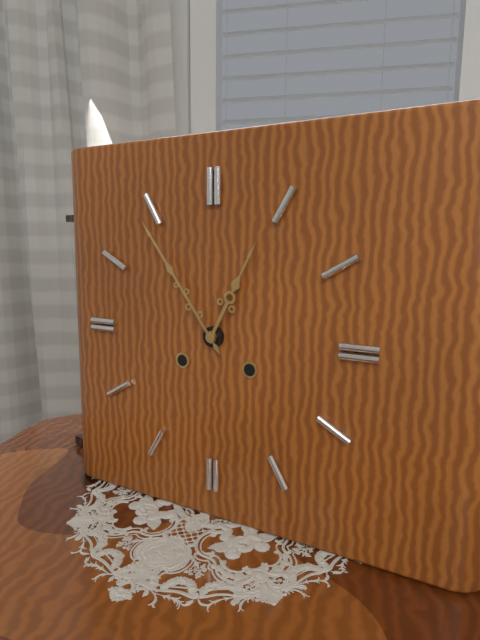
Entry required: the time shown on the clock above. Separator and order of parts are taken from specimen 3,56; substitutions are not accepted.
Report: 12,54
